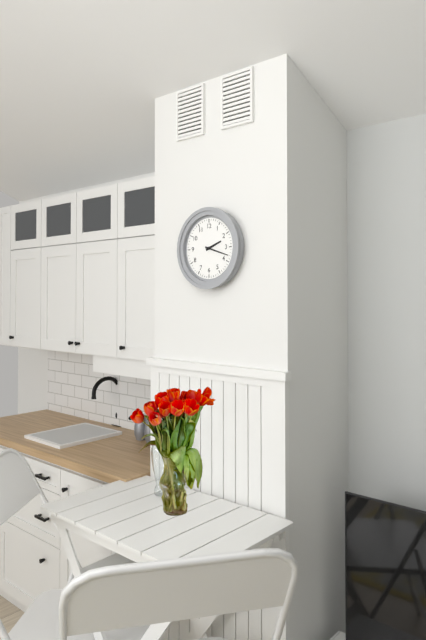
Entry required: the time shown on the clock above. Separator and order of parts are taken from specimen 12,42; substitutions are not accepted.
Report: 2,18
